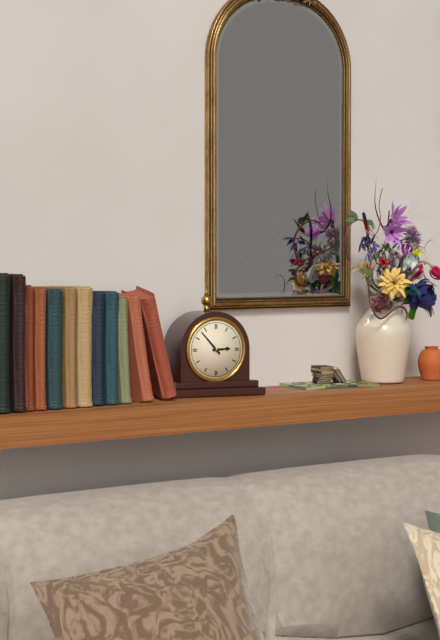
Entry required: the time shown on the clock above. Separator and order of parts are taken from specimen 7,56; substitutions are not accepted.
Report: 2,53
